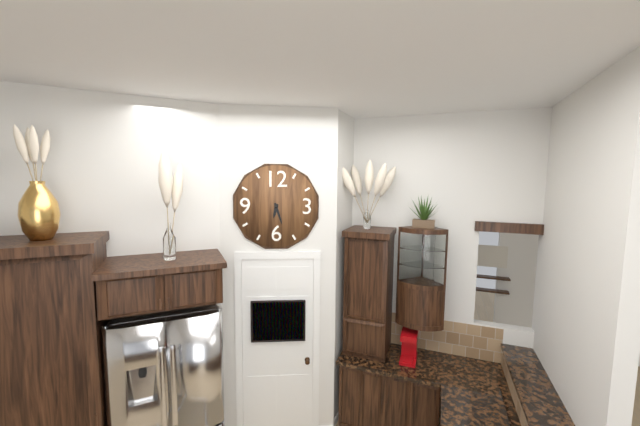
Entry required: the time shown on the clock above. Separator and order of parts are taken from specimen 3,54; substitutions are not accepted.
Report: 6,27
